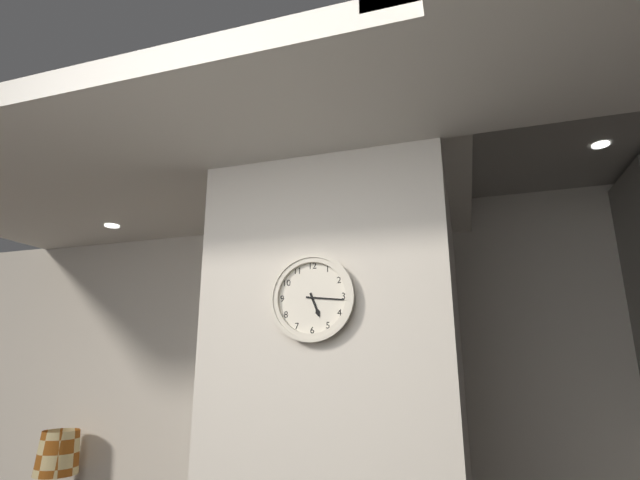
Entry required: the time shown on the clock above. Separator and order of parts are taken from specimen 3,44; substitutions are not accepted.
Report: 5,16
